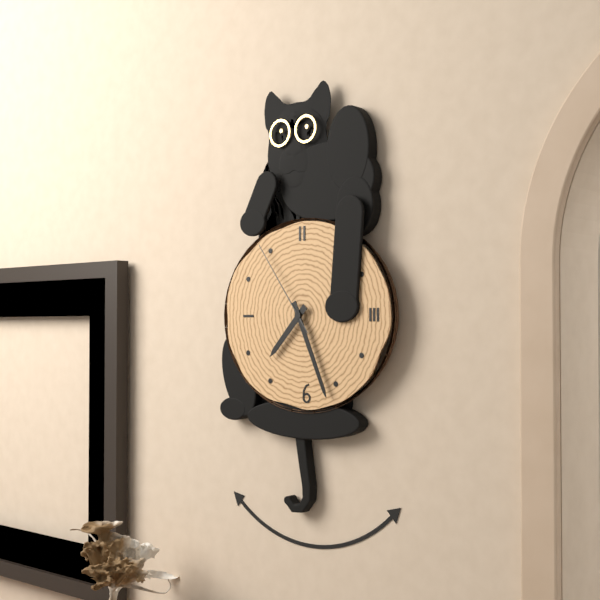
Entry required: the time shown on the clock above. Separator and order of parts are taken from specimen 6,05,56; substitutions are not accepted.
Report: 7,26,54
